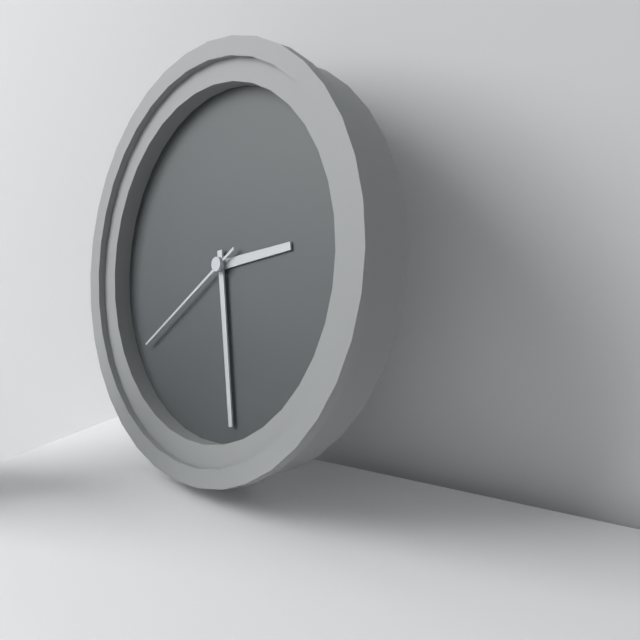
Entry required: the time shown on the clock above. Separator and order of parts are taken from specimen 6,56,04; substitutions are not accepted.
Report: 2,27,38
